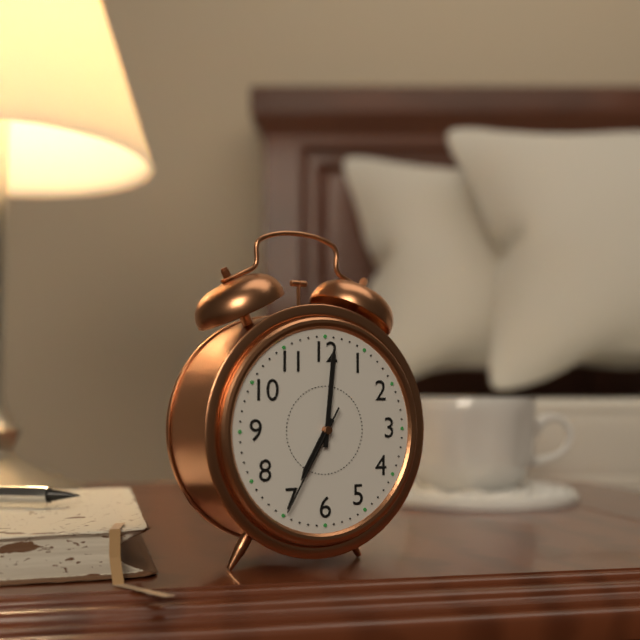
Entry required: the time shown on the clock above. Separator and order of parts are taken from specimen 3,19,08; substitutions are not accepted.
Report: 7,01,35
